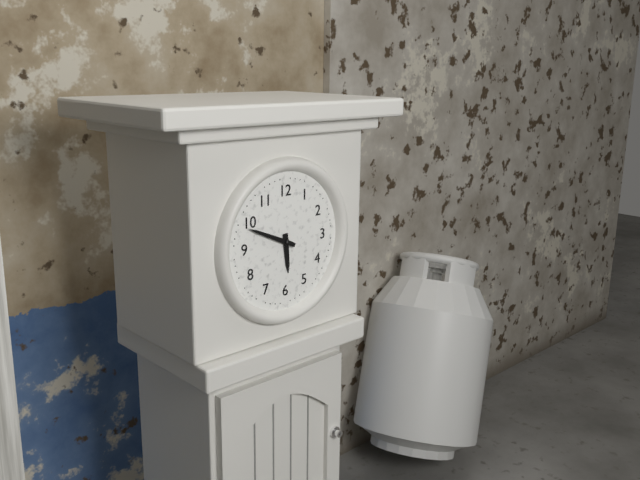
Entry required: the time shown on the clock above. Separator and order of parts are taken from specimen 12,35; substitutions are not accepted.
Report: 5,49
